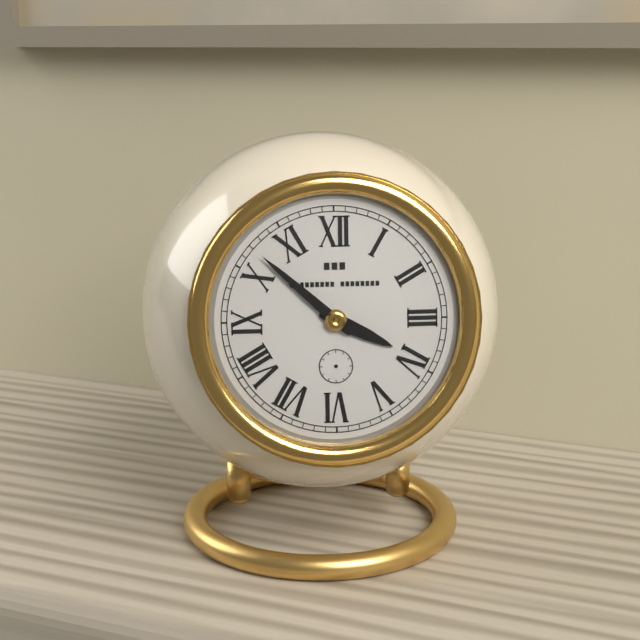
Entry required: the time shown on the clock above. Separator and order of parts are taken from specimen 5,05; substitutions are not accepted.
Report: 3,52
